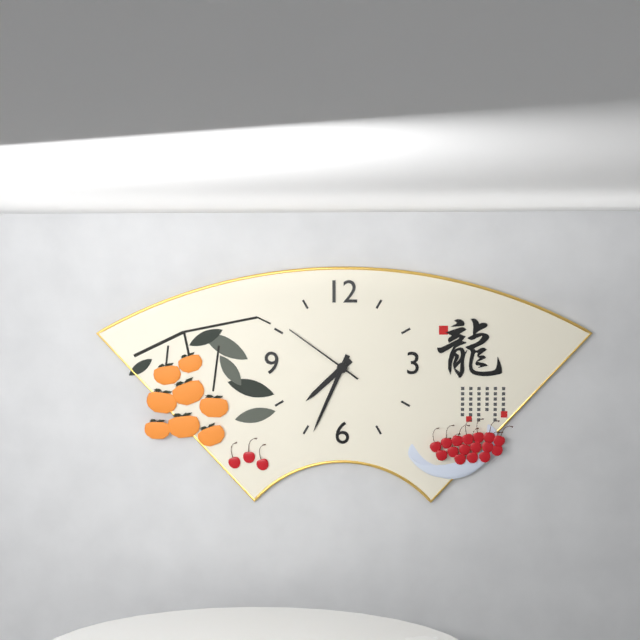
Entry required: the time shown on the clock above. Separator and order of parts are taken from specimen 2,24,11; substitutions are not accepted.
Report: 7,34,51
